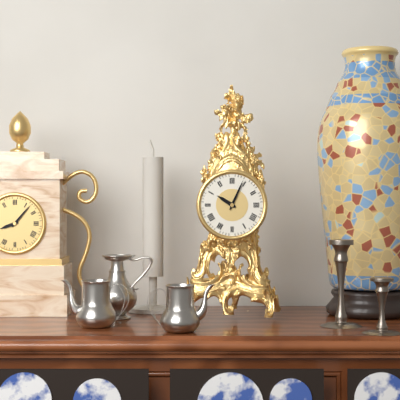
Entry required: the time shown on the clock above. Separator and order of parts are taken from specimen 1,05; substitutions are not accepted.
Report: 10,04
